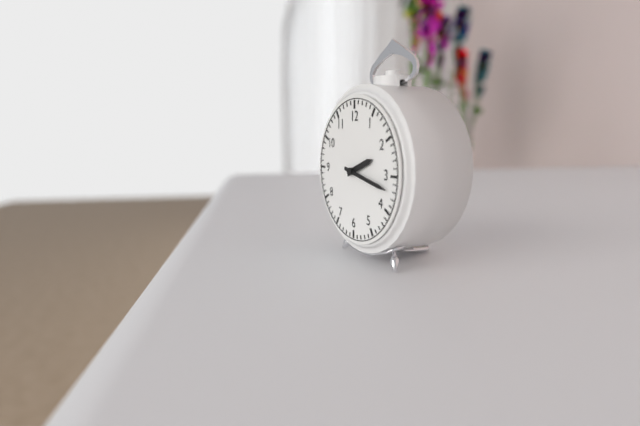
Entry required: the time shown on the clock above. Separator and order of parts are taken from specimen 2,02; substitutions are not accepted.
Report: 2,17
